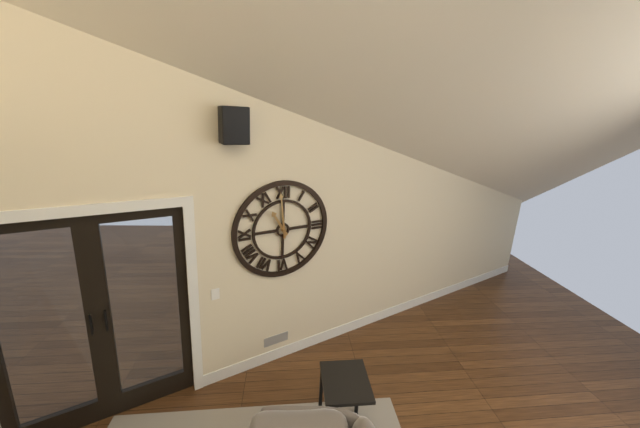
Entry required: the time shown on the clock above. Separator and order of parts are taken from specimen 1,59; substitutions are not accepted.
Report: 10,59
